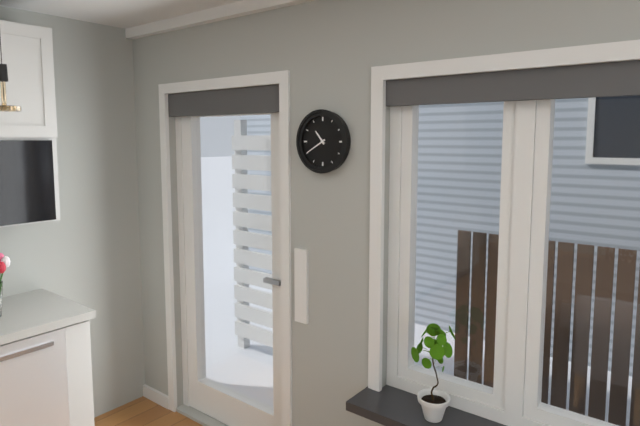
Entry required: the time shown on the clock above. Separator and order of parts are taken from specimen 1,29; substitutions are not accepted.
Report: 10,40
